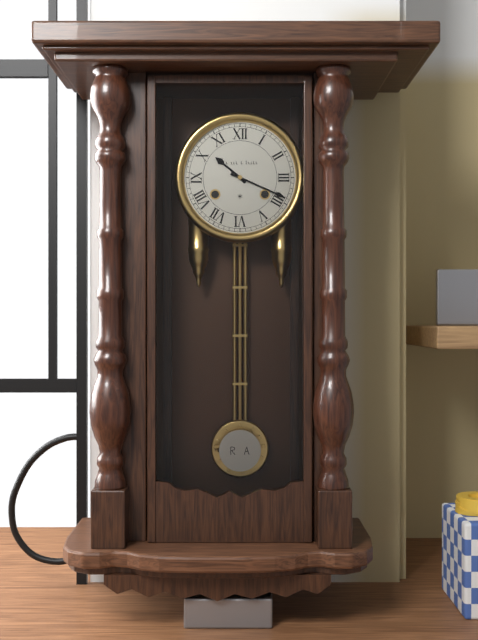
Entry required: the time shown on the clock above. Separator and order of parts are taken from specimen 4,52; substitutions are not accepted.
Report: 10,19
